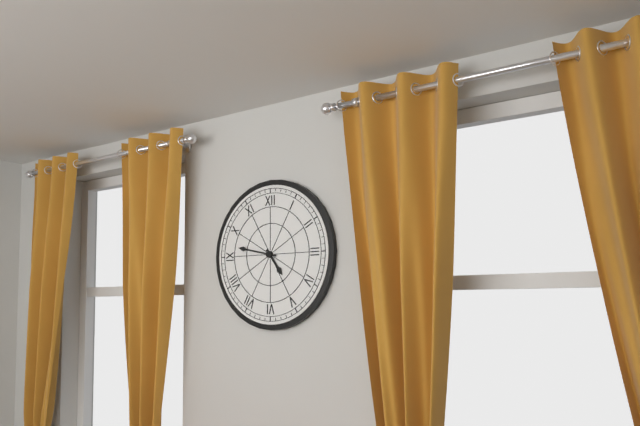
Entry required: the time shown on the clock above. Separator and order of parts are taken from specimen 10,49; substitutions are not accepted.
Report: 4,47
